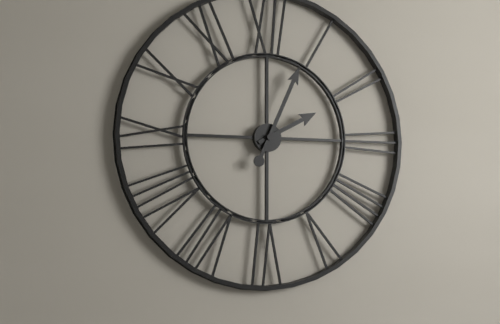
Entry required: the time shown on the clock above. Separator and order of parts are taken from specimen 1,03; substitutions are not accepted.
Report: 2,04
